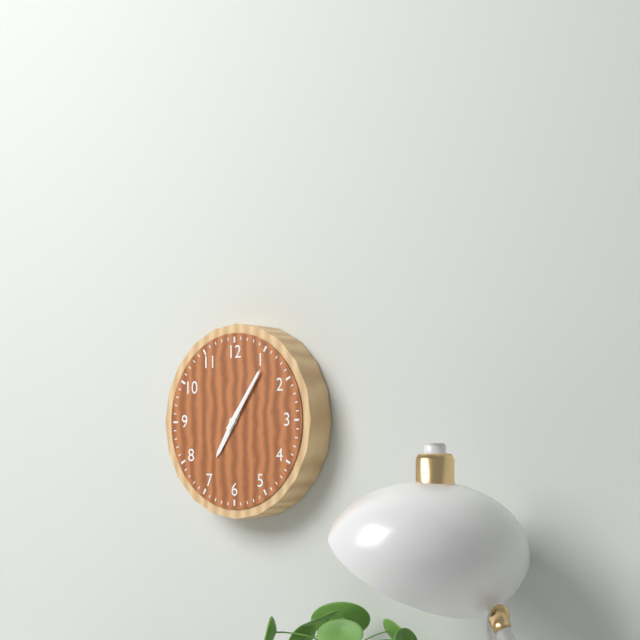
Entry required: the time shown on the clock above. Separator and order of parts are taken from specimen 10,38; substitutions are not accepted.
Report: 7,06
